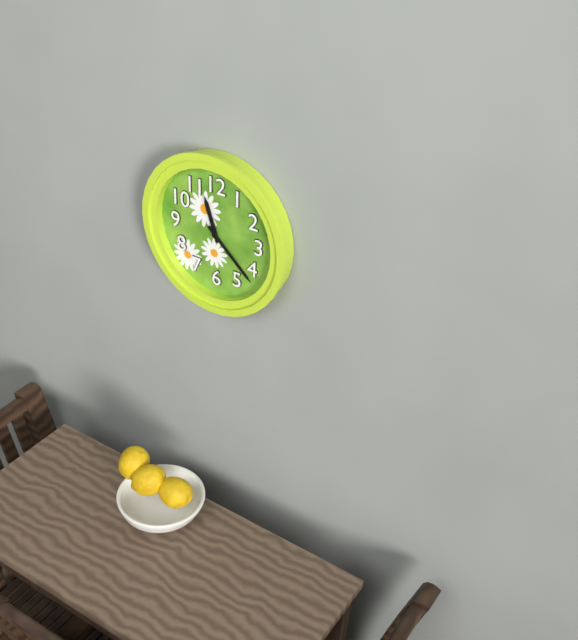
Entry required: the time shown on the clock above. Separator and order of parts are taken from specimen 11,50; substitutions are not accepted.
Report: 11,22
